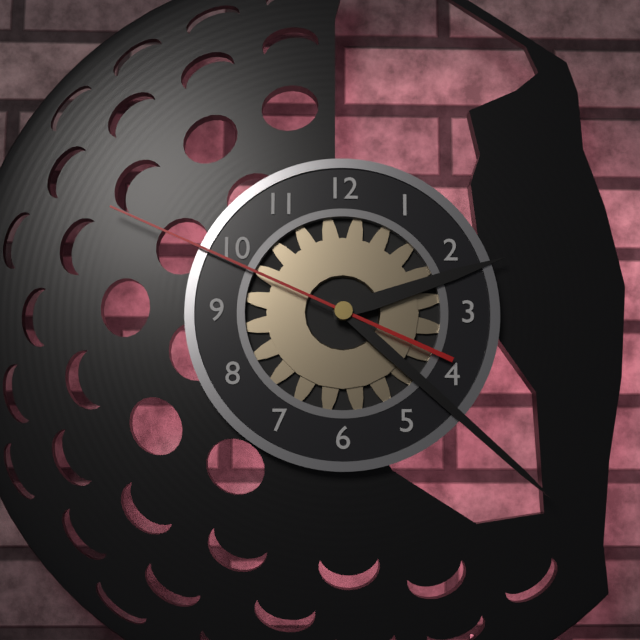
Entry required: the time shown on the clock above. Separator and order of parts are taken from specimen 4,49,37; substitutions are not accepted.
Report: 2,22,49
